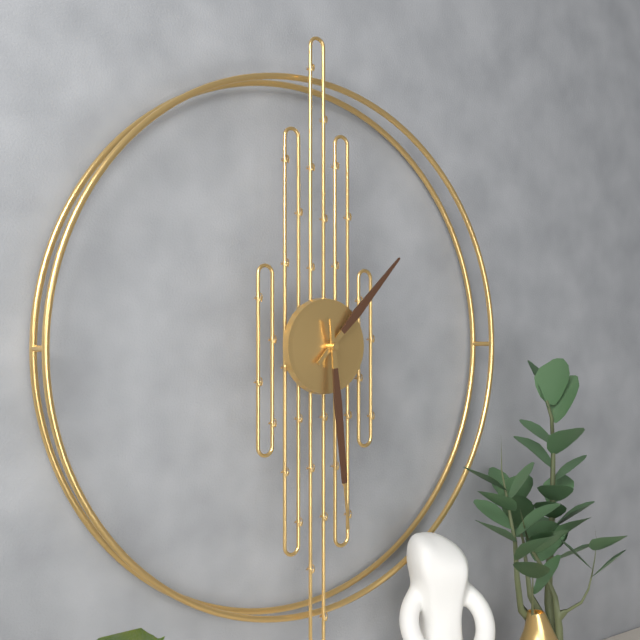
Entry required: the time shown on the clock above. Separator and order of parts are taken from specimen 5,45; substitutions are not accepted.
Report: 1,29
